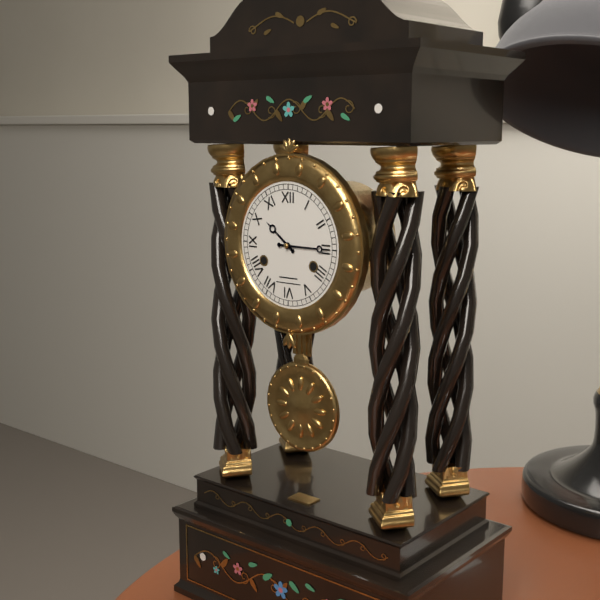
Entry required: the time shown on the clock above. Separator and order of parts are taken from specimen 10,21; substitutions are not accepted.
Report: 10,15
